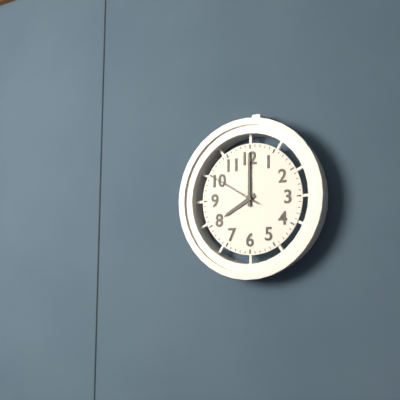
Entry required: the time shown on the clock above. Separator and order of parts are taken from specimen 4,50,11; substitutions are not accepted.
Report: 8,00,50
